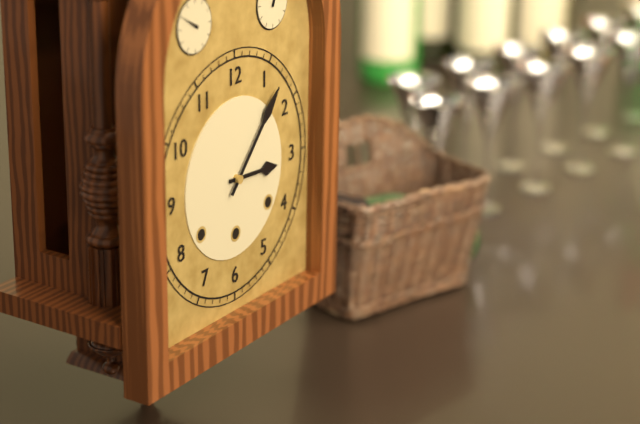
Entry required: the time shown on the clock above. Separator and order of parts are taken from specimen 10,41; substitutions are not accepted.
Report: 3,07
